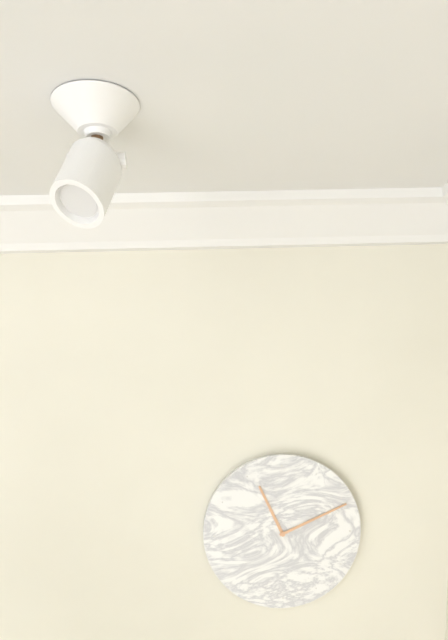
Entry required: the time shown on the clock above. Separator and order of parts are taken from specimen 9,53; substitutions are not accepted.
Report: 11,11
